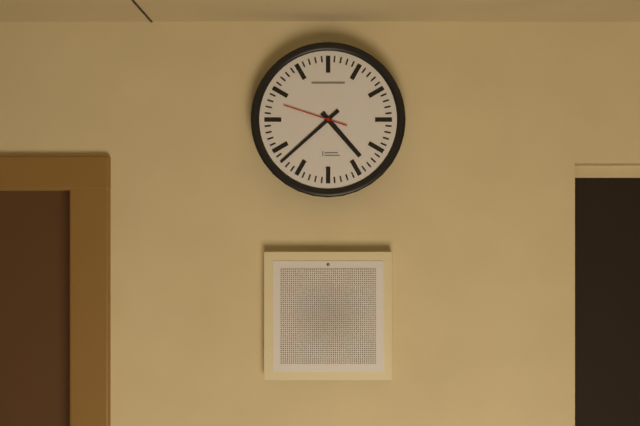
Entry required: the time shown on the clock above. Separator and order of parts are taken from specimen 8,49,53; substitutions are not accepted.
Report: 4,38,48
